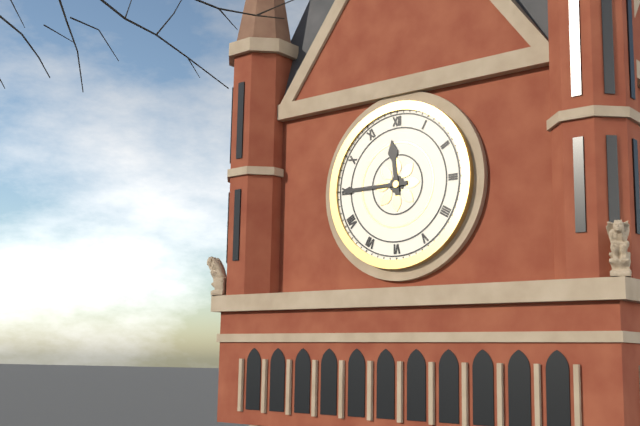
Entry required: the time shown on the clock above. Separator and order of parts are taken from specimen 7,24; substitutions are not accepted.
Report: 11,45
